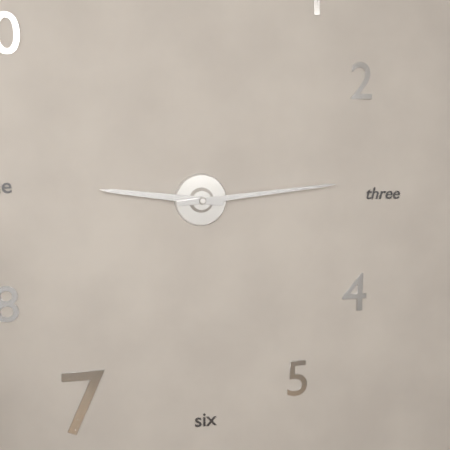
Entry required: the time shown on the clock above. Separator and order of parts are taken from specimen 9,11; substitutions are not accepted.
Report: 9,14
